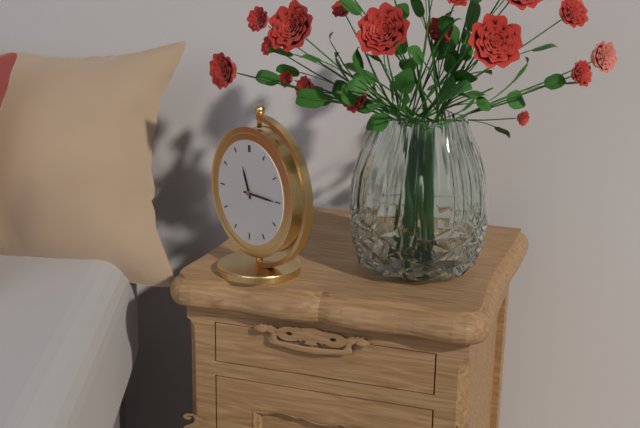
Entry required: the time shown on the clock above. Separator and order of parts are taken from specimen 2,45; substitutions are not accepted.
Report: 11,15
